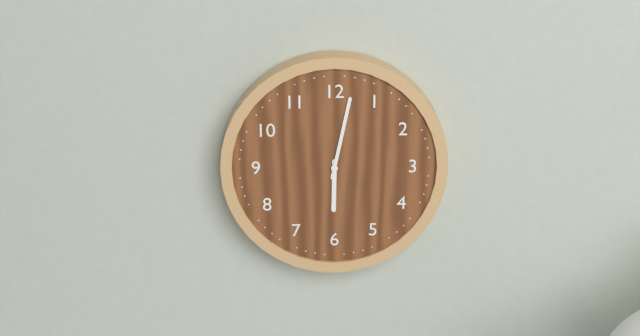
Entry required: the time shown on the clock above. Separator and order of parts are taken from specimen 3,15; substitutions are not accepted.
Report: 6,02
